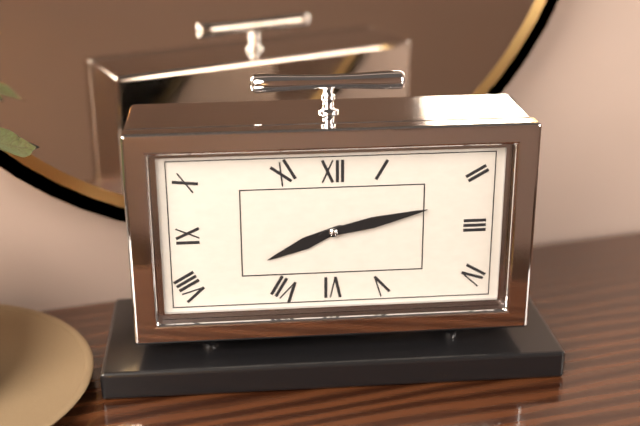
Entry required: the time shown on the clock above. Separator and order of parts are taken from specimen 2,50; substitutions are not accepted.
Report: 8,13
